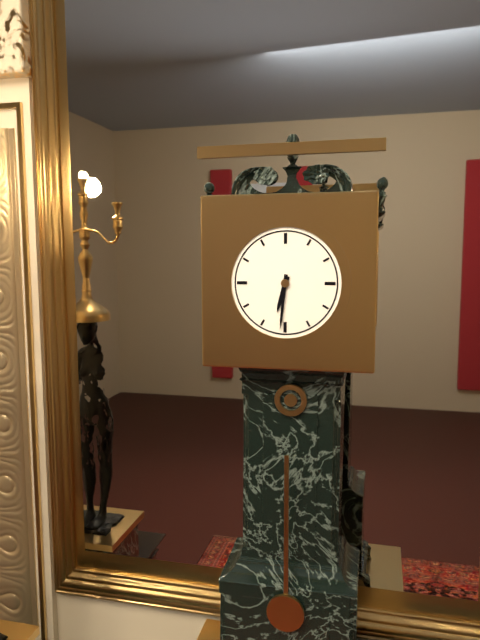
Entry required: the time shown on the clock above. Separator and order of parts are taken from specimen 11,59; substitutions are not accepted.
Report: 6,31
